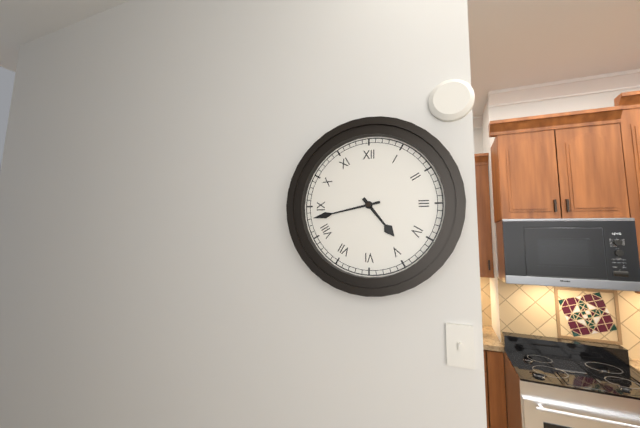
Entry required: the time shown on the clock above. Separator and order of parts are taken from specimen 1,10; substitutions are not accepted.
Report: 4,43
